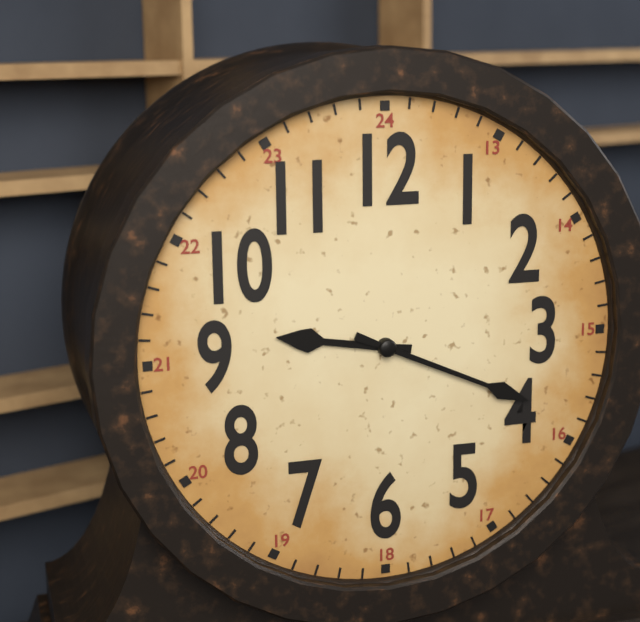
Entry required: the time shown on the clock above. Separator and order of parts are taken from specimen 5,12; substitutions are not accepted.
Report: 9,19
